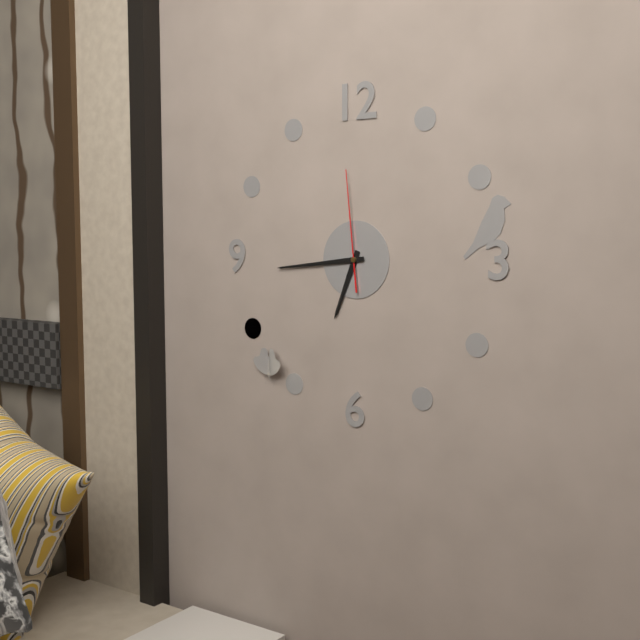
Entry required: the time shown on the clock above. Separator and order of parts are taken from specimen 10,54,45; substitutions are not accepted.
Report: 6,44,59
